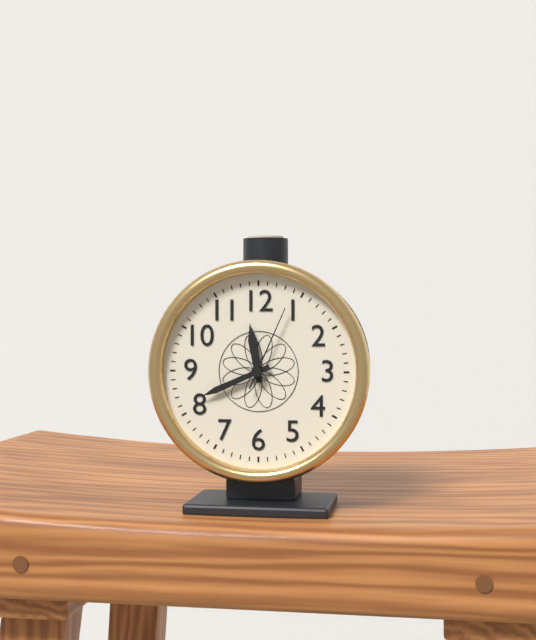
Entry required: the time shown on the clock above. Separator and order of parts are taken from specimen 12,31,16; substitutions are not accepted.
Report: 11,41,04
